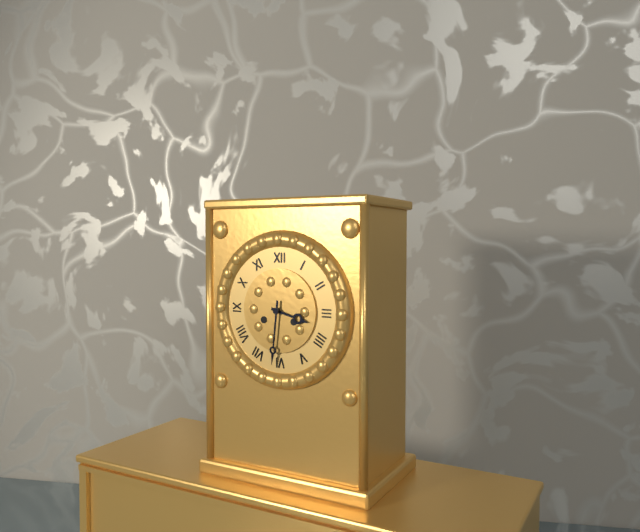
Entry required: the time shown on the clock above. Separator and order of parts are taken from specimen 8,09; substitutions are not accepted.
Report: 3,31
